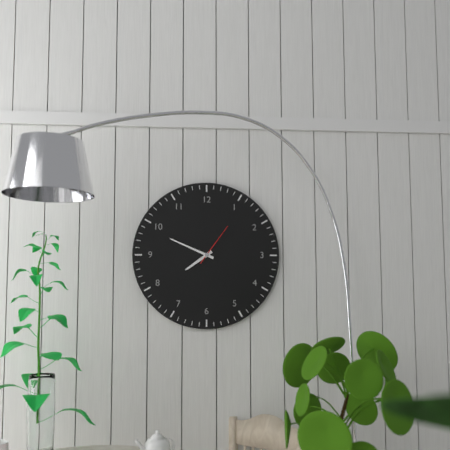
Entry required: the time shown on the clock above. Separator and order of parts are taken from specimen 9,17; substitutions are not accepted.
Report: 7,49
